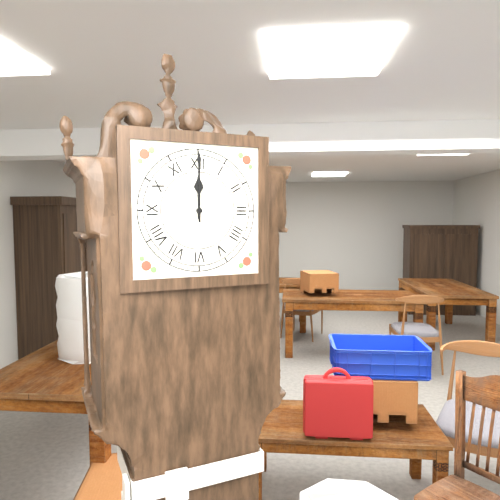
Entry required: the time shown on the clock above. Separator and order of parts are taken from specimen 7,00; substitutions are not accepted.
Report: 12,00
